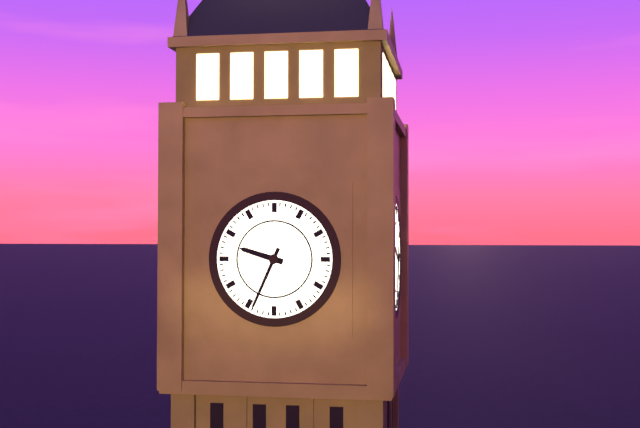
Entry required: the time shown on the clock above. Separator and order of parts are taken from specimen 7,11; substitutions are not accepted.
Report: 9,34
